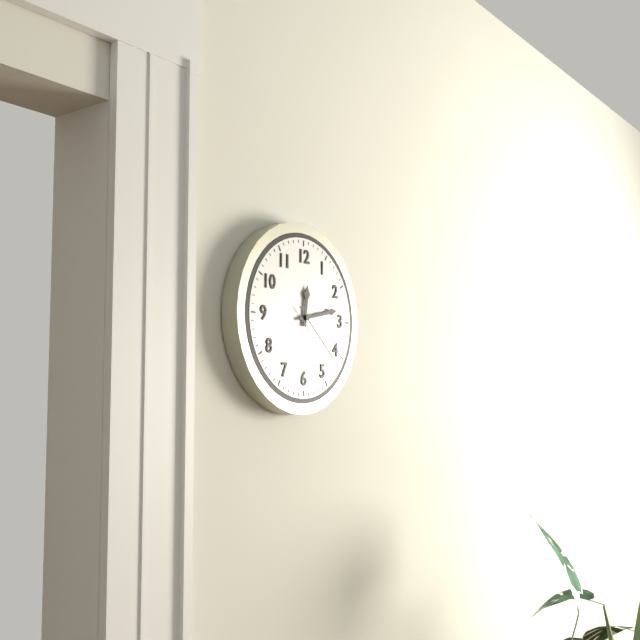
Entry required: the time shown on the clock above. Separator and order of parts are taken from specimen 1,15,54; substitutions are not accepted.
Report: 12,13,22
